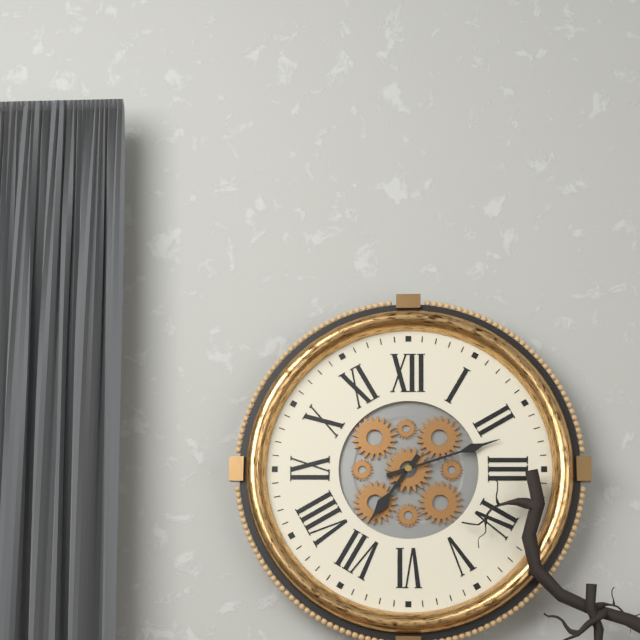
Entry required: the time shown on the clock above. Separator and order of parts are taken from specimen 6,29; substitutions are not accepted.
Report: 7,12
